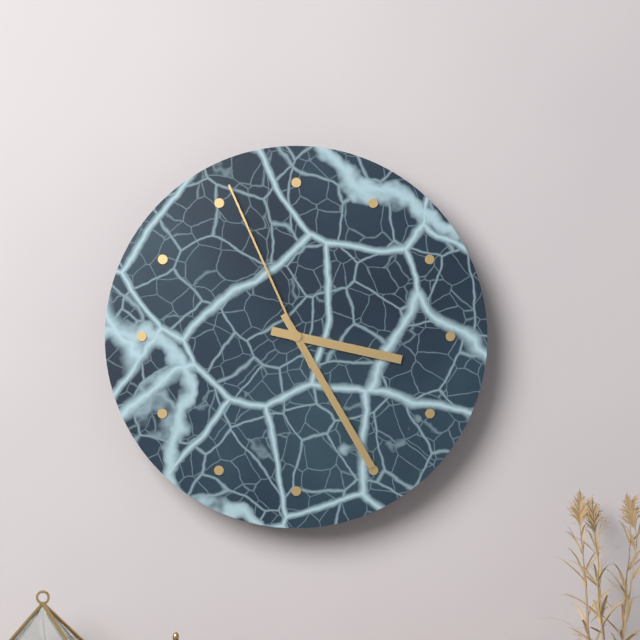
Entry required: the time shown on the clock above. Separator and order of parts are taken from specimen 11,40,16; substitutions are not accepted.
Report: 3,25,56
